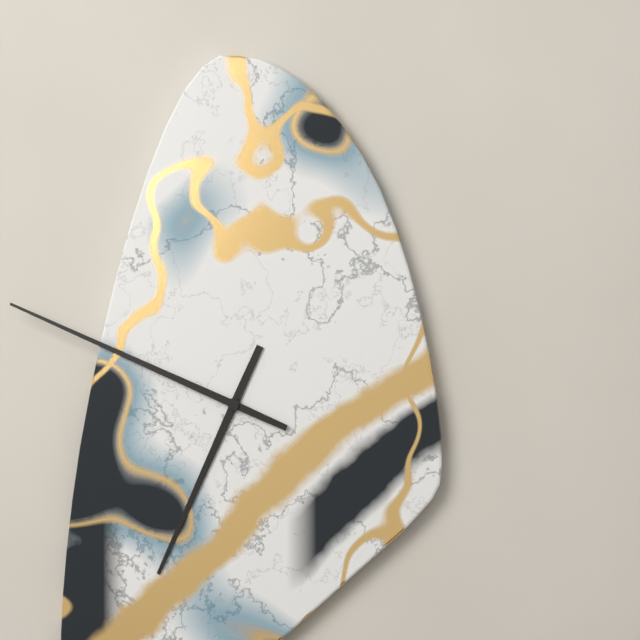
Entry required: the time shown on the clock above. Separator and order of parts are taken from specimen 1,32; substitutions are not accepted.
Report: 6,49
